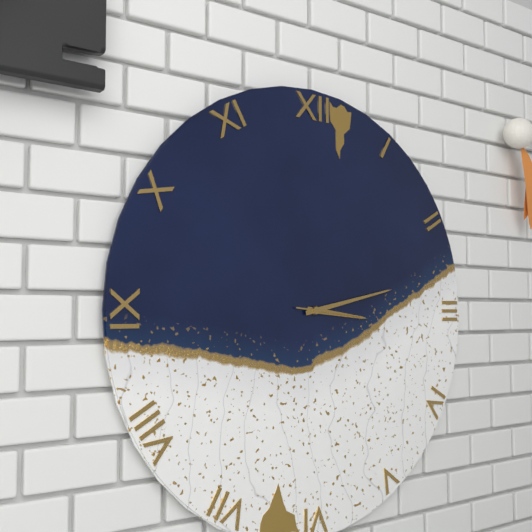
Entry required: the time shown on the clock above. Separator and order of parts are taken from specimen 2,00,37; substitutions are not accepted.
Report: 3,13,16
